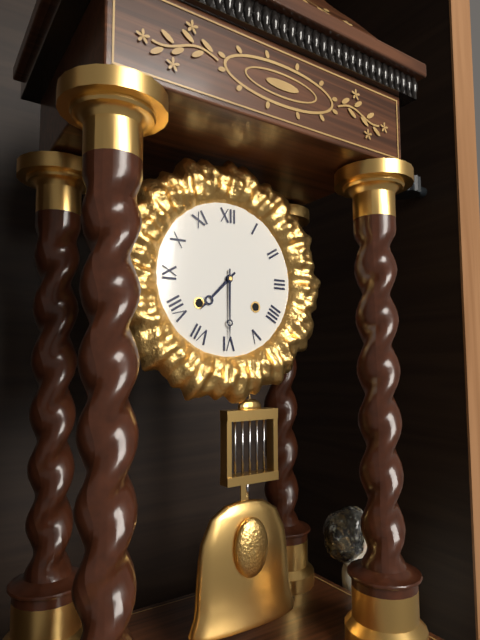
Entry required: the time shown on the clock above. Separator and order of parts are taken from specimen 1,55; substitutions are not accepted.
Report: 7,30
